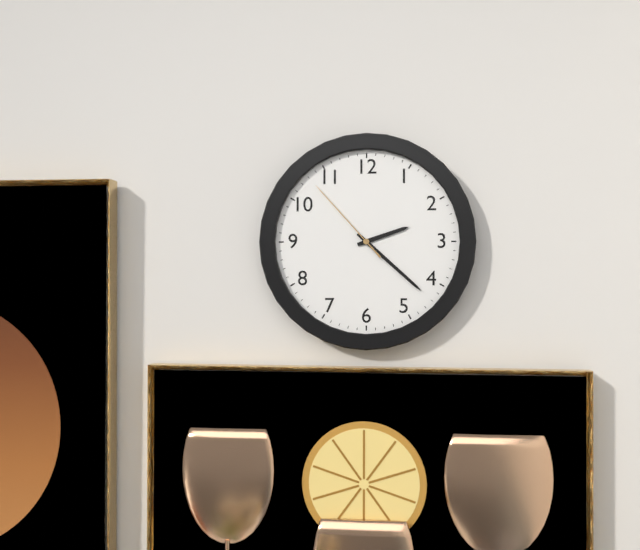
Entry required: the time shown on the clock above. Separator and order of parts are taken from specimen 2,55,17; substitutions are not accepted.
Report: 2,22,53
